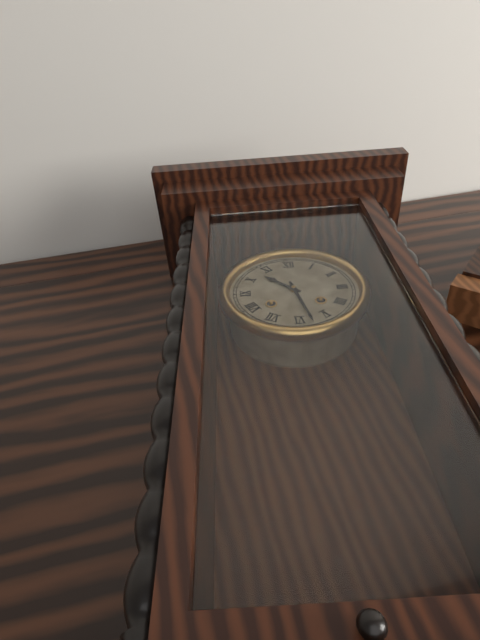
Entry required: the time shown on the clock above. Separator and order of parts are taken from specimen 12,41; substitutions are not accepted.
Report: 10,28
